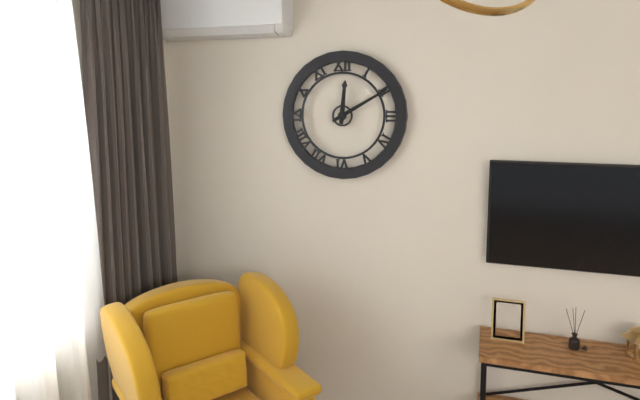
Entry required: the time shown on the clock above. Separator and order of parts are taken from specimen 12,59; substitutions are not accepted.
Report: 12,10
